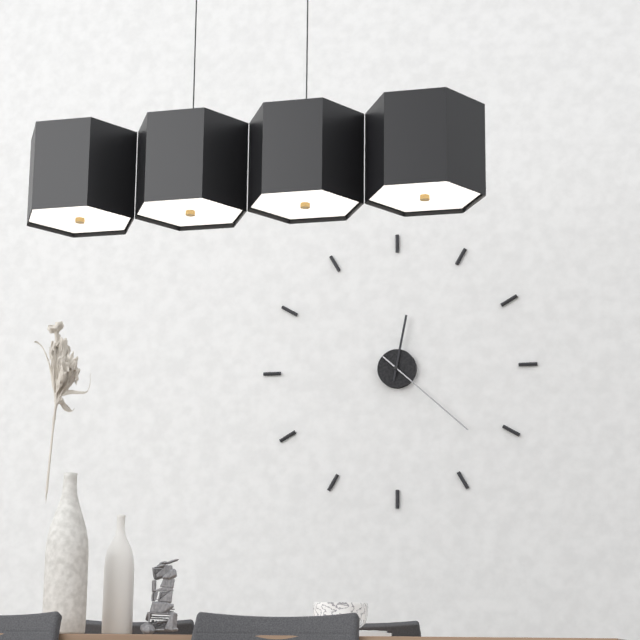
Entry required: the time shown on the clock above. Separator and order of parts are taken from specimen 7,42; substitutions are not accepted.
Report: 12,22
